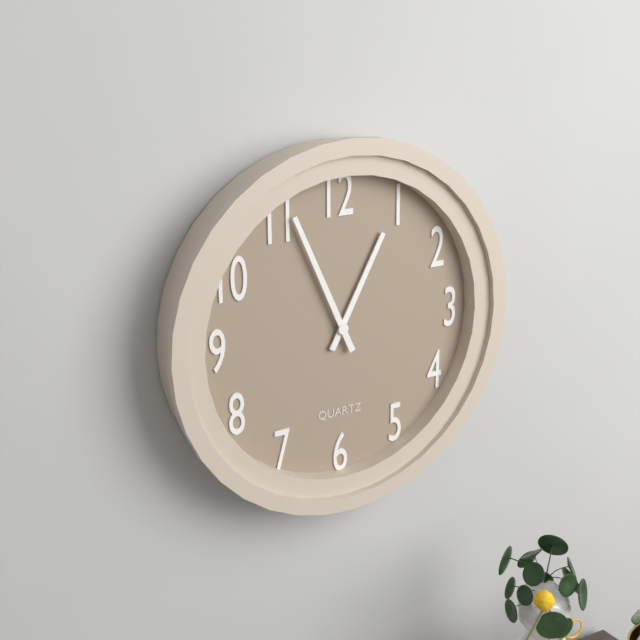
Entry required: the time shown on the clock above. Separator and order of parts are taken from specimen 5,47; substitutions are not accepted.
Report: 12,56
